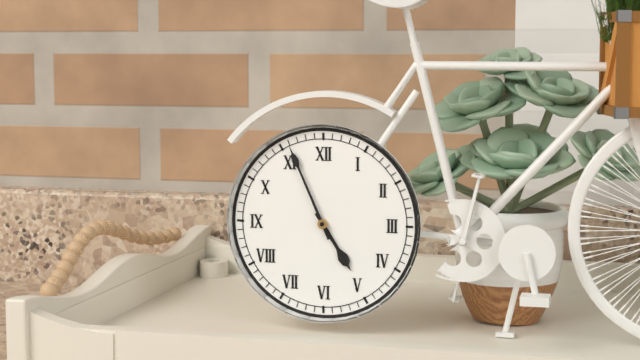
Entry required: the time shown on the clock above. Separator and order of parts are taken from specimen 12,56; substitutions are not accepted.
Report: 4,56
